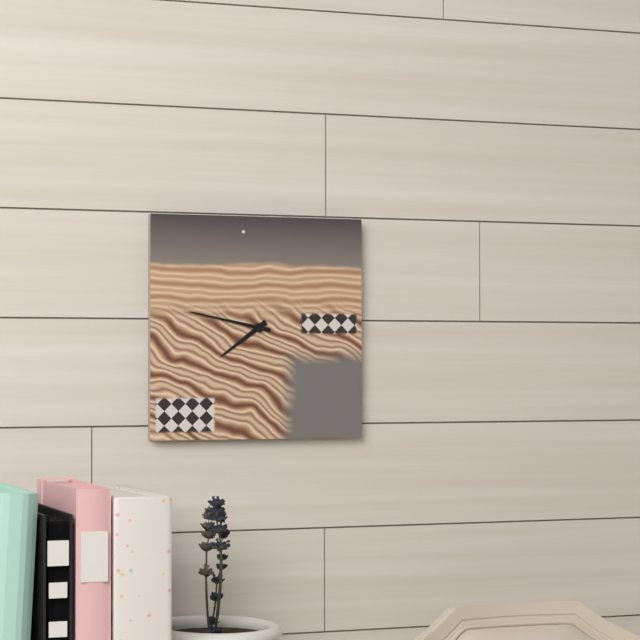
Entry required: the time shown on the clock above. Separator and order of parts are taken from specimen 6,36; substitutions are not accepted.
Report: 7,47
